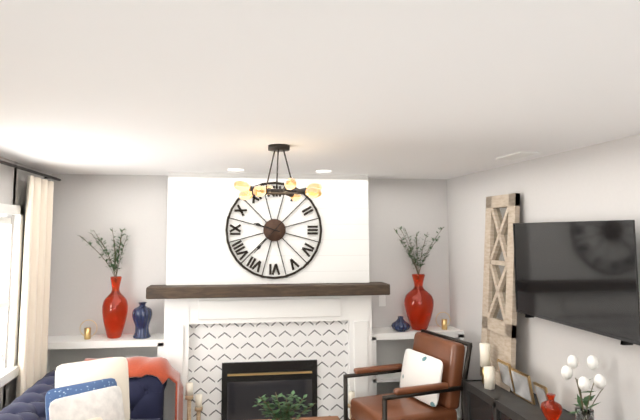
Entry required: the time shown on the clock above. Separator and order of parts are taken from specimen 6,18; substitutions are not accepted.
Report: 9,37
